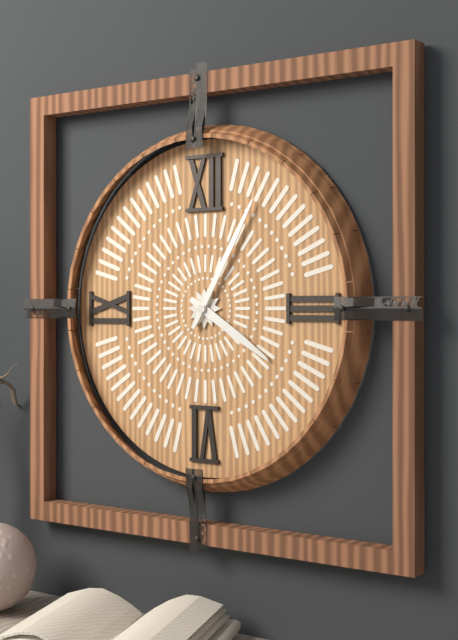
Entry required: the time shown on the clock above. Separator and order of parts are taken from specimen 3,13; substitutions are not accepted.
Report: 4,05
